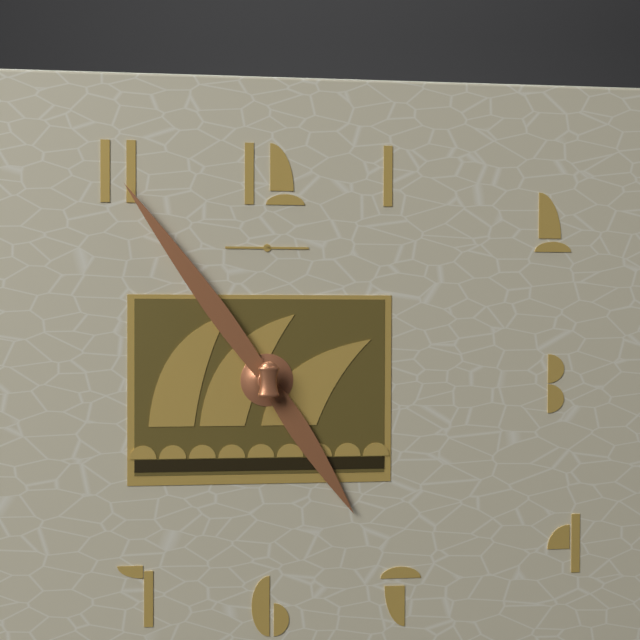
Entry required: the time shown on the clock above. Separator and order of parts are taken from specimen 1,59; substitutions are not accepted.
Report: 4,54
